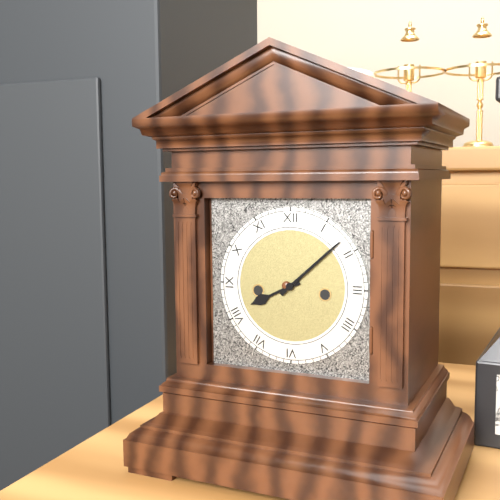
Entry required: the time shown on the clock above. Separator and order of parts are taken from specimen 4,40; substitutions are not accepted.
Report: 8,08
